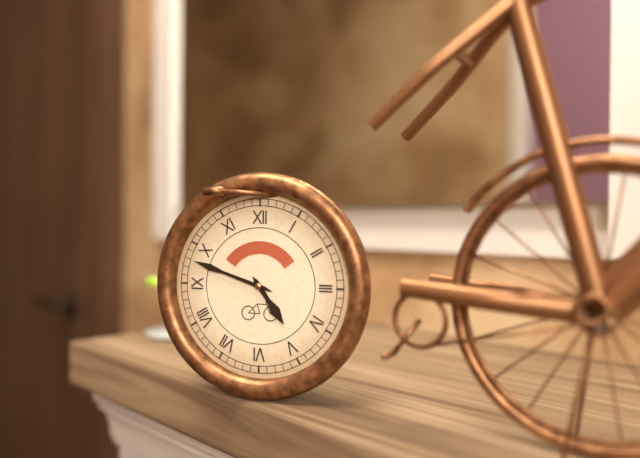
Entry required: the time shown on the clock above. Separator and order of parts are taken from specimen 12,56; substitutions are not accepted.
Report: 4,48
